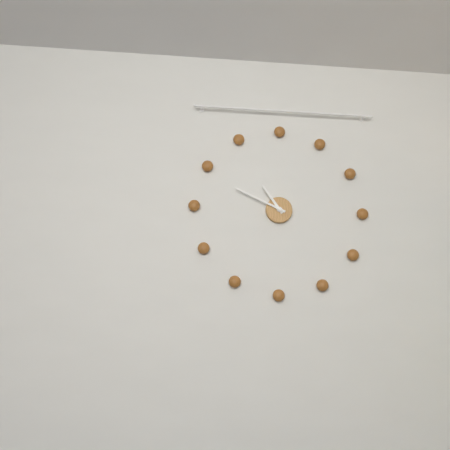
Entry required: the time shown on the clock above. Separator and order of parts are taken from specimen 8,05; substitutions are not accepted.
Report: 10,49
